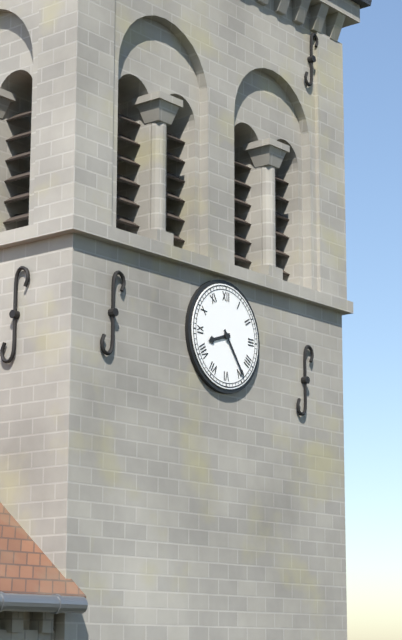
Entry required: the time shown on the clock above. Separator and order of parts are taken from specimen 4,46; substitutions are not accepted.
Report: 8,24
